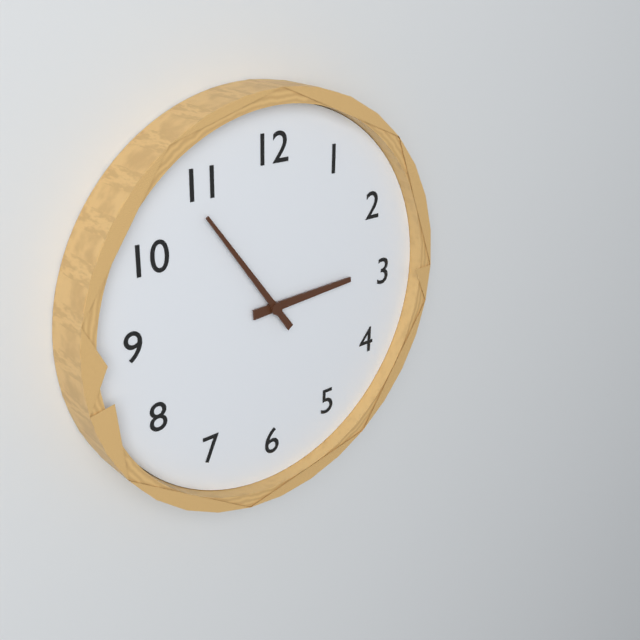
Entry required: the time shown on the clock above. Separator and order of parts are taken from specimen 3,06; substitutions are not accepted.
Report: 2,54
